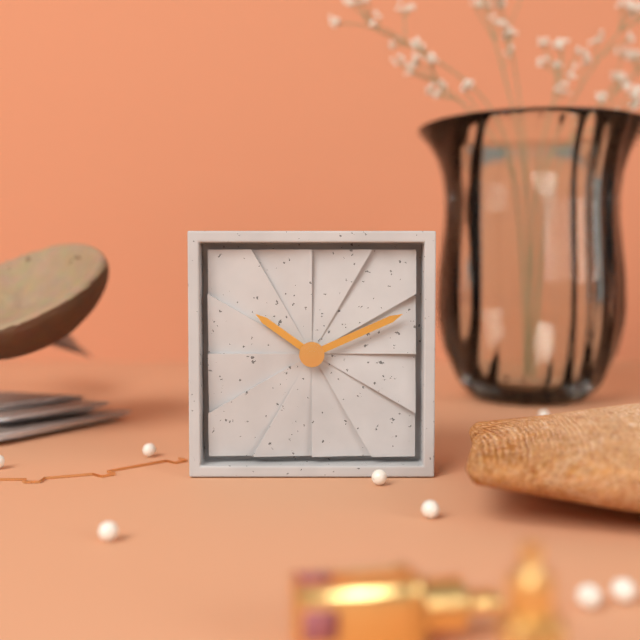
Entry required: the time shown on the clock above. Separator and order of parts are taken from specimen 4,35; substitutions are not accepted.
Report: 10,11
